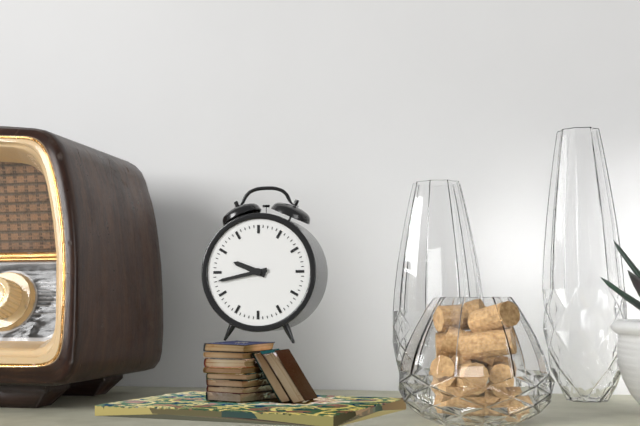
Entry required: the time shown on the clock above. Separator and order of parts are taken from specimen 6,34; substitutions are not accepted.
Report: 9,43
